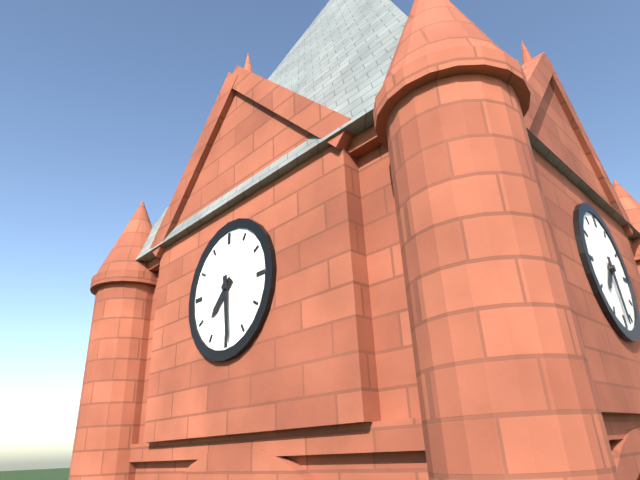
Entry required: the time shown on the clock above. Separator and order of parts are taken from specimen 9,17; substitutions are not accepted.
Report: 7,29
